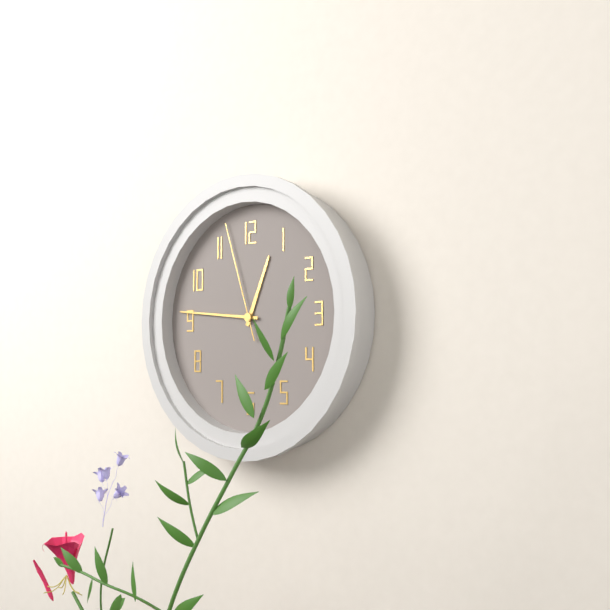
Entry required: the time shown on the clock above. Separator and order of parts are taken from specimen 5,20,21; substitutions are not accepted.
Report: 12,46,57
